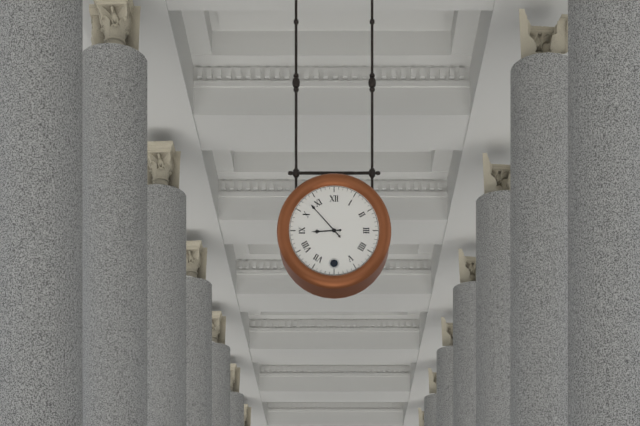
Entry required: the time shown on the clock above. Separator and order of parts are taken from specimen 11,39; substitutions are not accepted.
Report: 8,53
